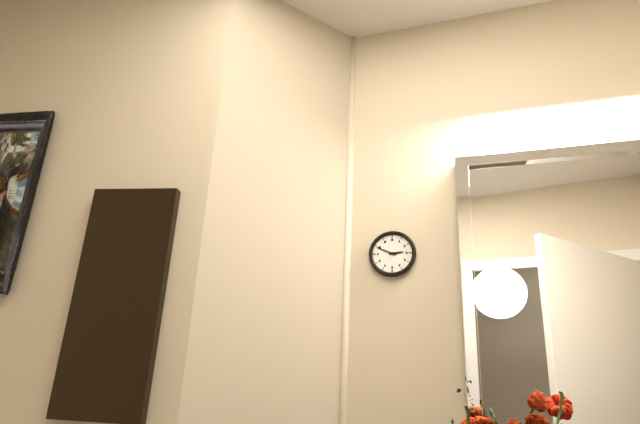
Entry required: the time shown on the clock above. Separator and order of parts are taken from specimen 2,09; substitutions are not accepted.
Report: 2,49
